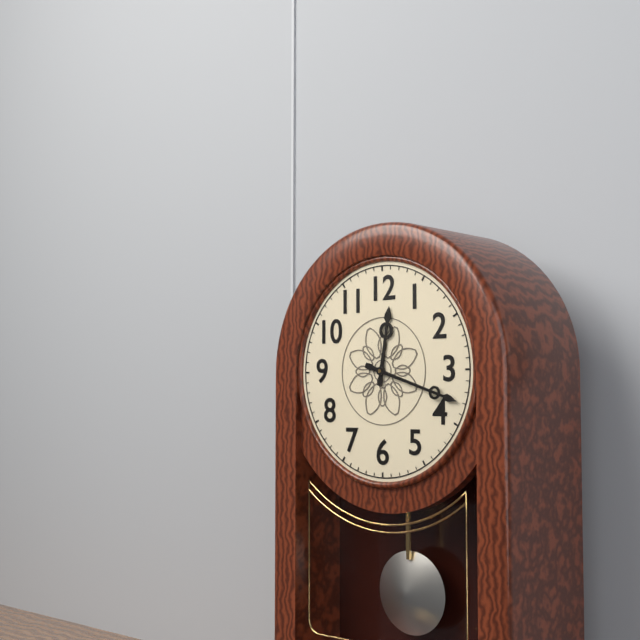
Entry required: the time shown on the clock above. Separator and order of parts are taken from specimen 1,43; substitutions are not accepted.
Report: 12,18
